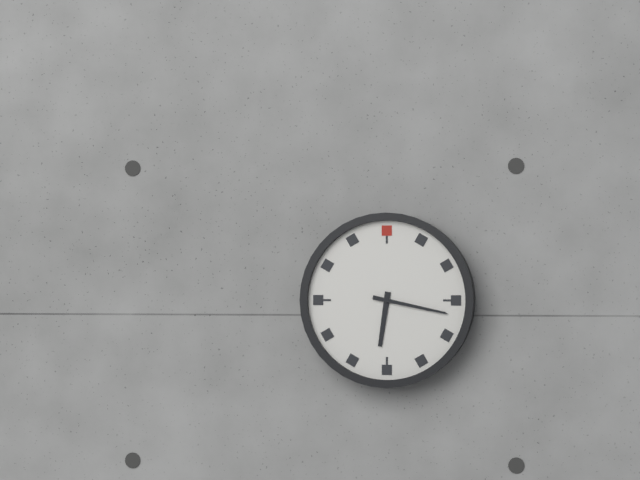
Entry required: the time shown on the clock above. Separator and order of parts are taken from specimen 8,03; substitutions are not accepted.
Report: 6,17
